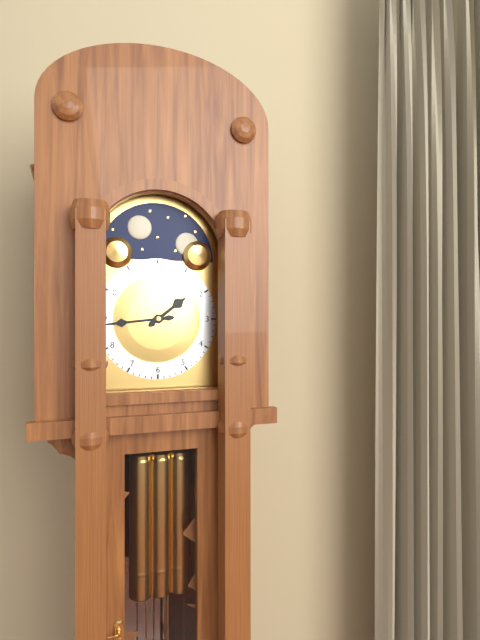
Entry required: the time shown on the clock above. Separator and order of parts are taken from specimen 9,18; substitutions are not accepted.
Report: 1,44
